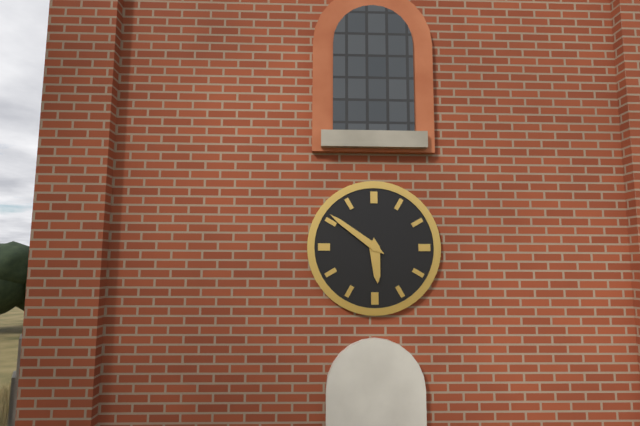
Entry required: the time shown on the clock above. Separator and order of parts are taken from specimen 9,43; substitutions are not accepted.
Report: 5,51
